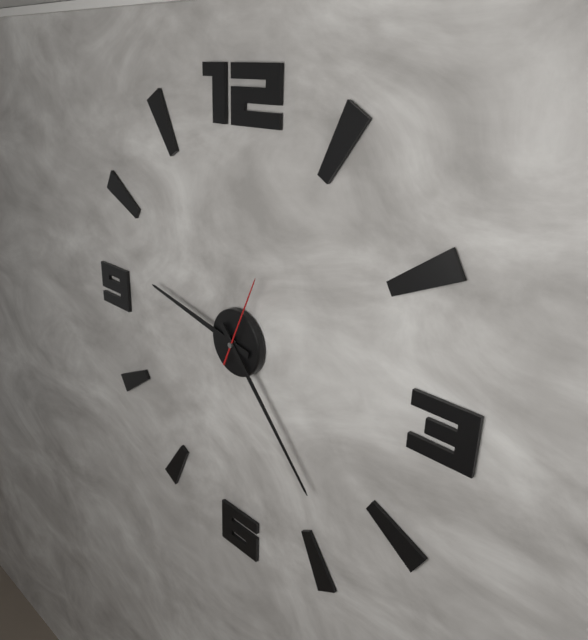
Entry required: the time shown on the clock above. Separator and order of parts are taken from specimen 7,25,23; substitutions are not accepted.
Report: 9,23,04
